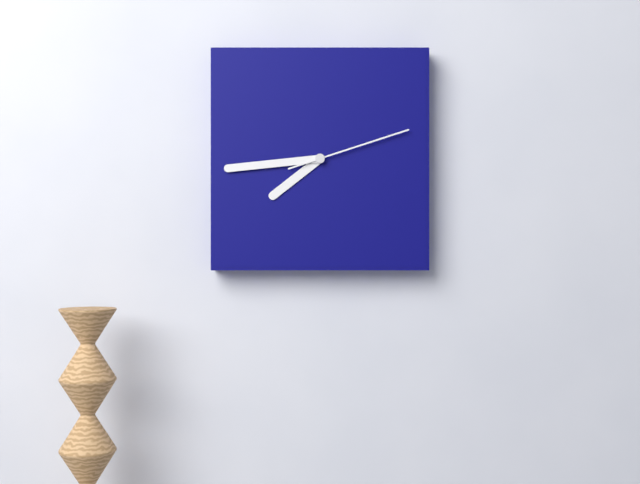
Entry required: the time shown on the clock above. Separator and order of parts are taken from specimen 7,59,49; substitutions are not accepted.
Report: 7,44,12
